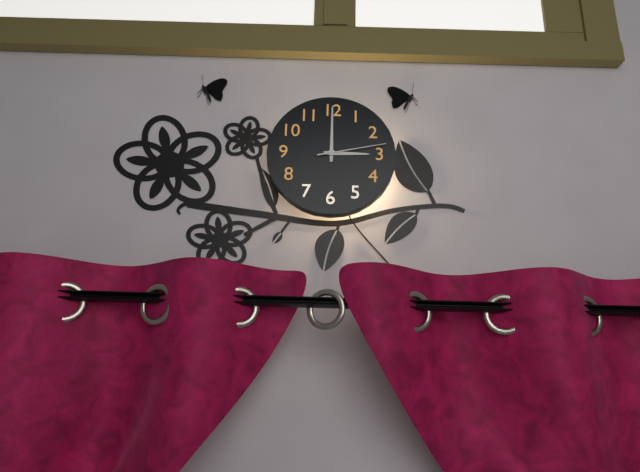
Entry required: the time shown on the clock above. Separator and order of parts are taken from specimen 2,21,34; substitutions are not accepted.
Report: 3,00,13
